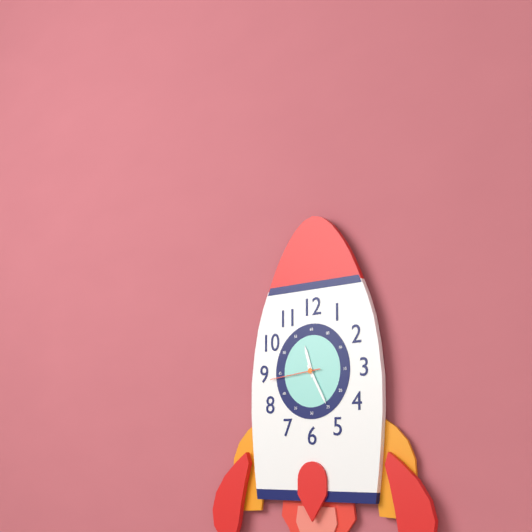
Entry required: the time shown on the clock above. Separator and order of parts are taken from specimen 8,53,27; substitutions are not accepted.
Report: 11,25,44
